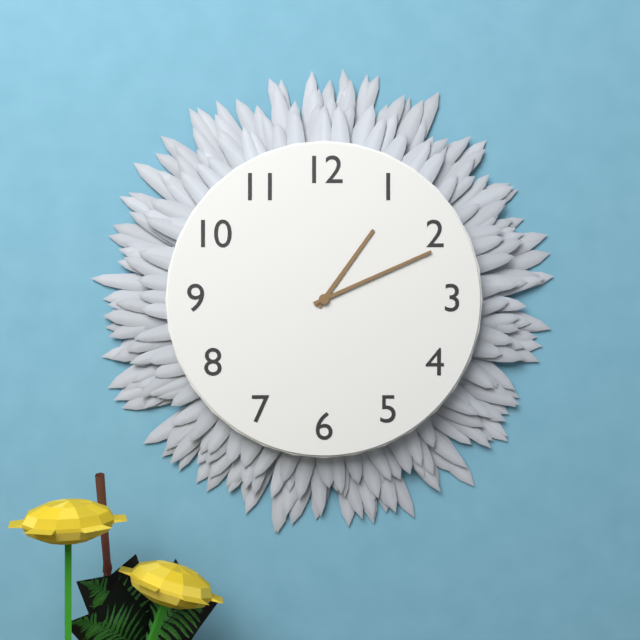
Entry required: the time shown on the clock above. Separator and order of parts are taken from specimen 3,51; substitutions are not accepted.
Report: 1,11
